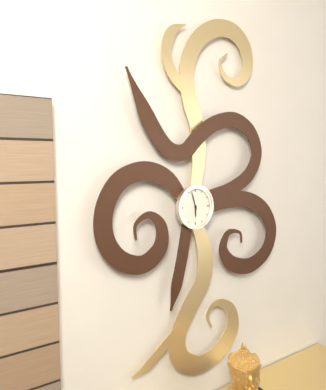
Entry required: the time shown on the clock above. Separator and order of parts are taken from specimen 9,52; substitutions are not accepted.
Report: 5,57
